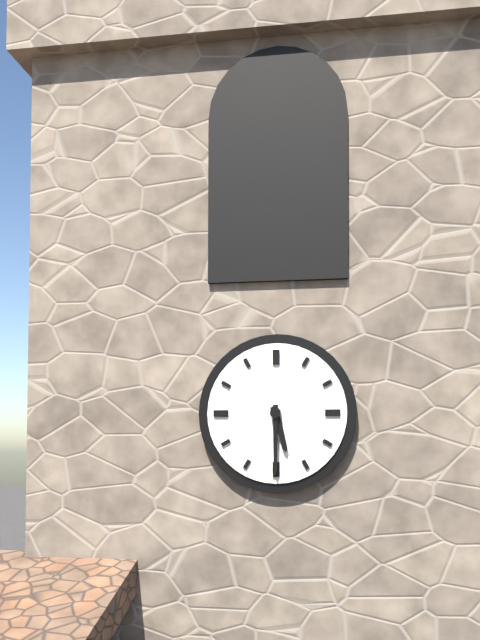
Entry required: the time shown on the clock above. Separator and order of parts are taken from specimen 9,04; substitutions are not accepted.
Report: 5,30
